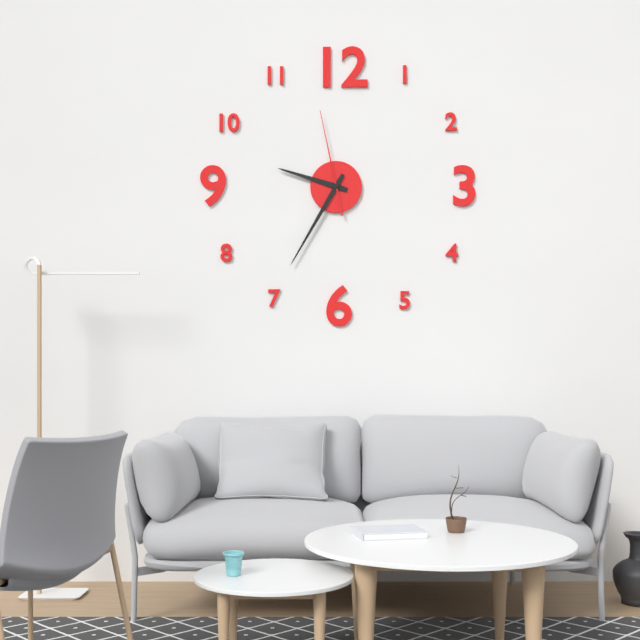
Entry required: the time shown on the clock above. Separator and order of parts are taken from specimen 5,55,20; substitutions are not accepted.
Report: 9,35,58
